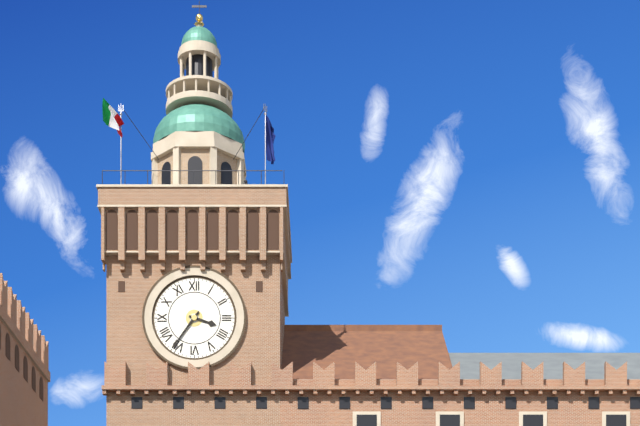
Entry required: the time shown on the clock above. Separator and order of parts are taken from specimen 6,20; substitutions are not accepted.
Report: 3,36
